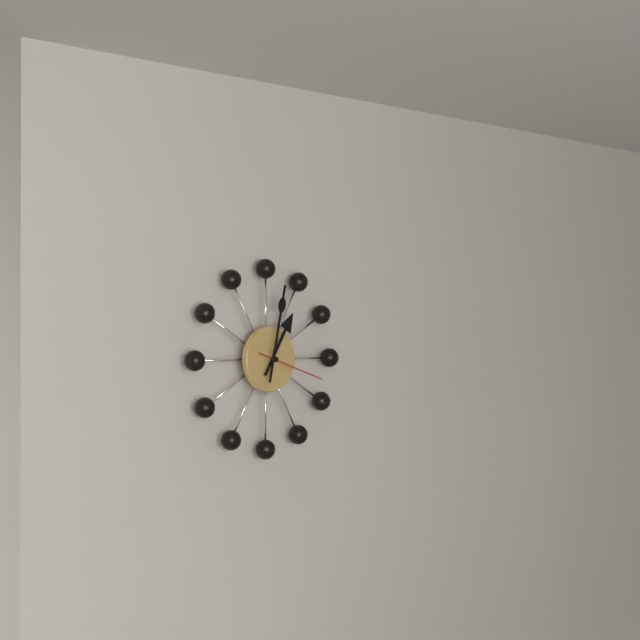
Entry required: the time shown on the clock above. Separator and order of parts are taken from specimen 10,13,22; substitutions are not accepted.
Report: 1,02,18
